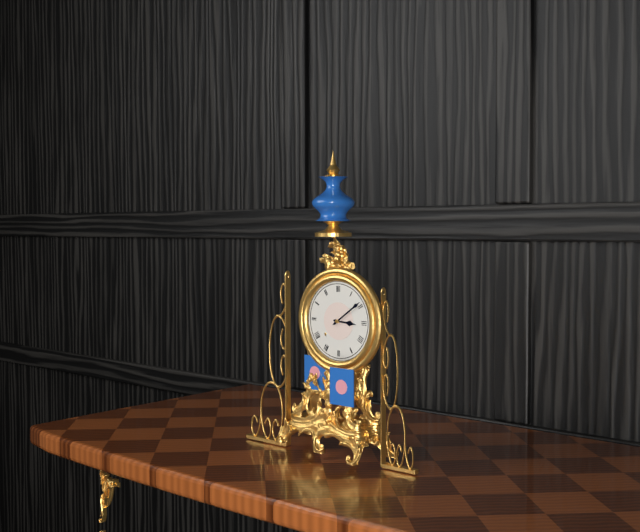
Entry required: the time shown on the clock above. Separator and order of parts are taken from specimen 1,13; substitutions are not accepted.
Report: 3,09
